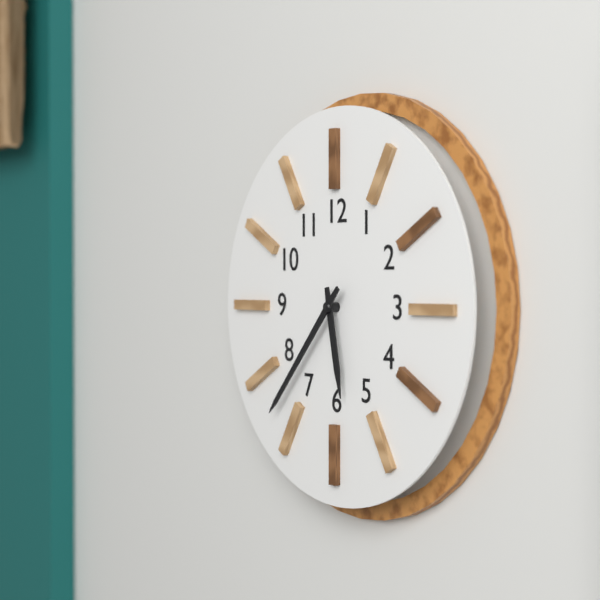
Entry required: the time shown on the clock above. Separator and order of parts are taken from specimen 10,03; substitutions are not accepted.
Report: 5,37
